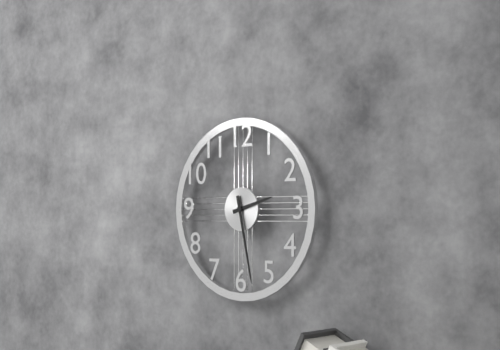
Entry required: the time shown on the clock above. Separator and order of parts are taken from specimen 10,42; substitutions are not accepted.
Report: 2,28
